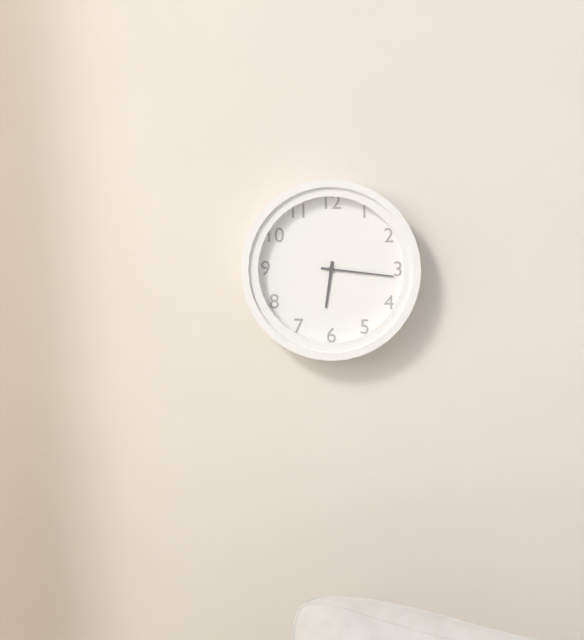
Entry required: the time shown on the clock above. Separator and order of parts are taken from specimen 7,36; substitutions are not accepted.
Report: 6,16
